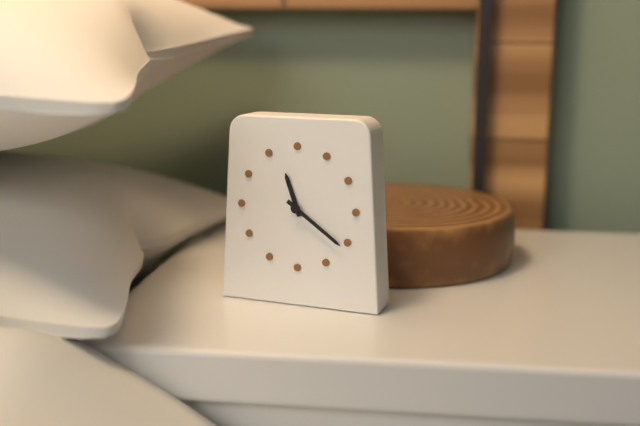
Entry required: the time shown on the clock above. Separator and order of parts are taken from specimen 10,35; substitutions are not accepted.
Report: 11,21
